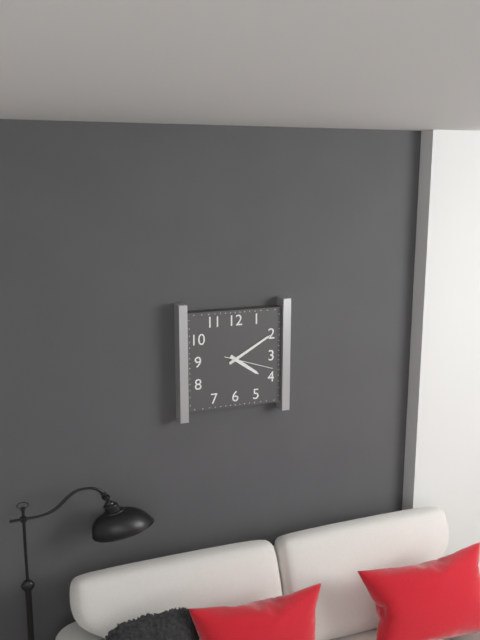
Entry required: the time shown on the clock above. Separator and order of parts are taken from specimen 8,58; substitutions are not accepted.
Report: 4,10
